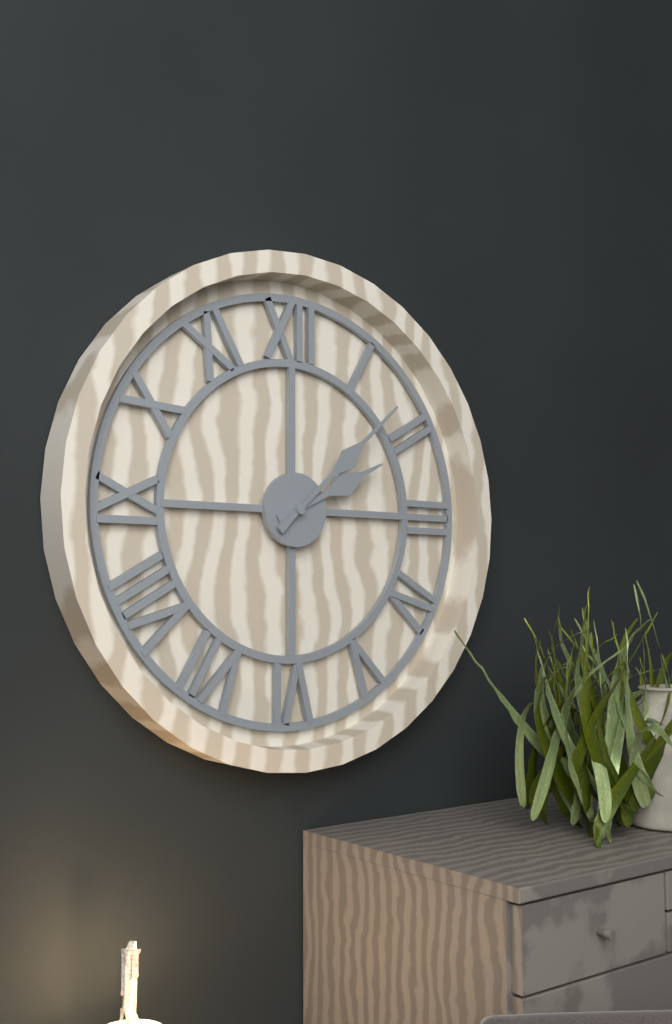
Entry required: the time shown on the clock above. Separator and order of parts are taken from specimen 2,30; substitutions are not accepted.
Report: 2,08
